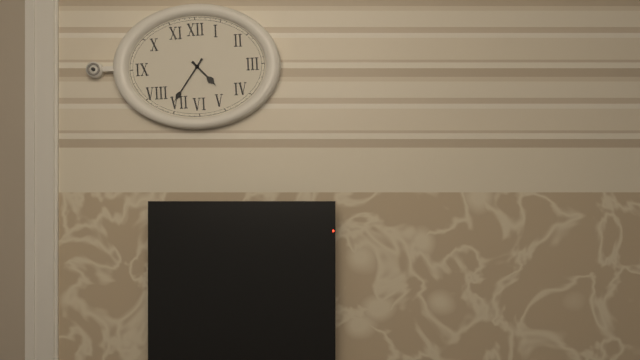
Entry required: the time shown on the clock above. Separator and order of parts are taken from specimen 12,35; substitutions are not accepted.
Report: 4,36
